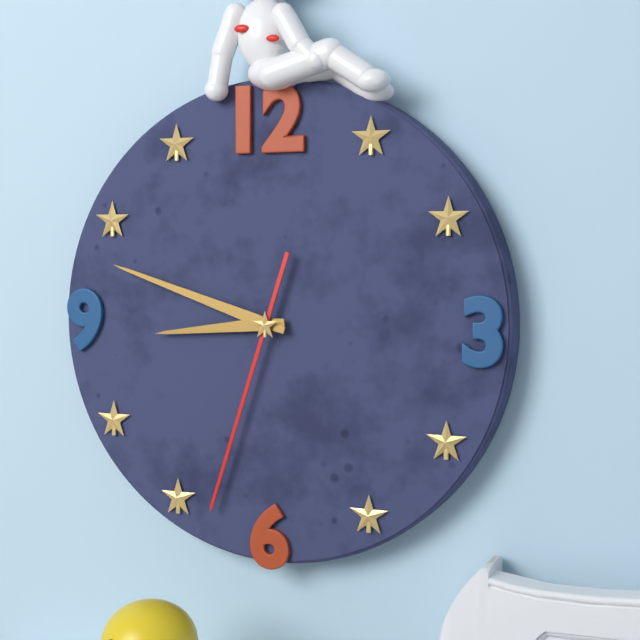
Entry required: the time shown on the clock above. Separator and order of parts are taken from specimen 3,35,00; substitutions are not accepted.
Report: 8,48,33
